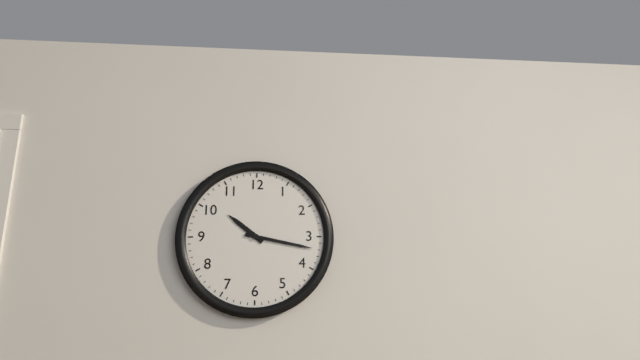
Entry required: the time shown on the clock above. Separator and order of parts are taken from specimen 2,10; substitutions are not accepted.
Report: 10,17
